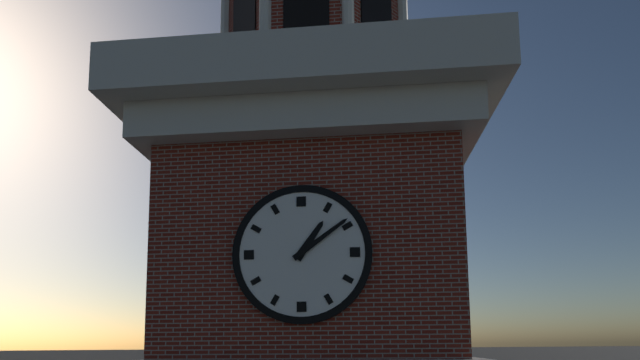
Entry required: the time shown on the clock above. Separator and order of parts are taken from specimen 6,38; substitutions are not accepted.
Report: 1,09
